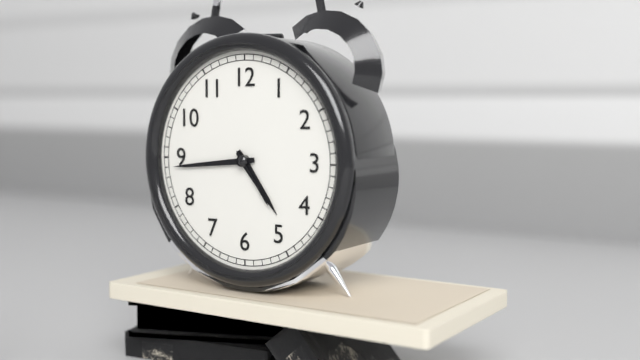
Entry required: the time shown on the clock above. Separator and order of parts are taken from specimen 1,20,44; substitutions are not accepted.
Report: 4,44,24
